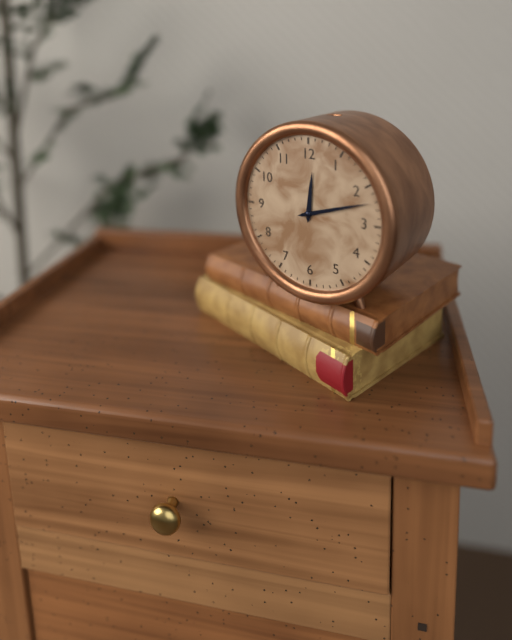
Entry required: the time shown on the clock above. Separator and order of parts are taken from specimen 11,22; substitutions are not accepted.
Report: 12,12
